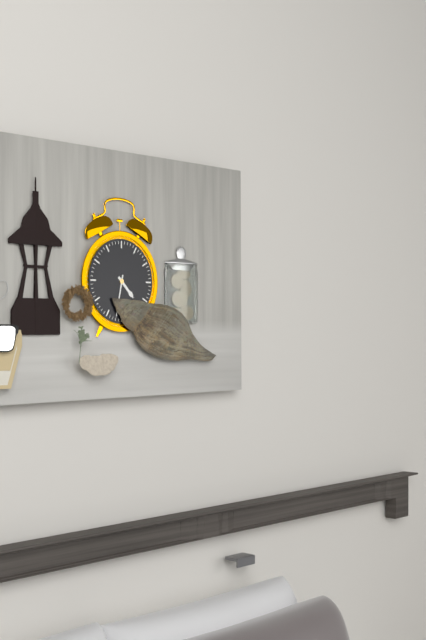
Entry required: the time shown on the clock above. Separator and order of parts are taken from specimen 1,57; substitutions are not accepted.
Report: 4,32
